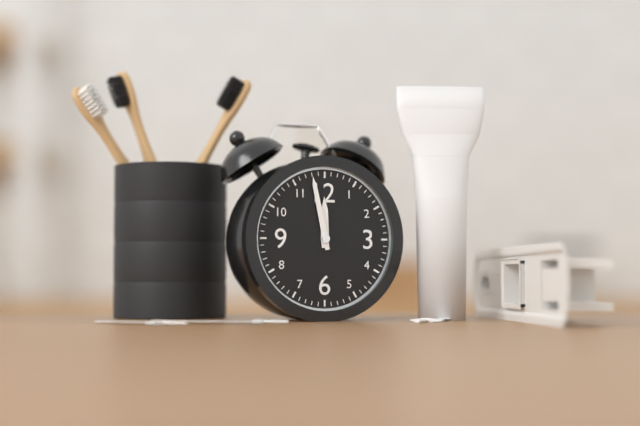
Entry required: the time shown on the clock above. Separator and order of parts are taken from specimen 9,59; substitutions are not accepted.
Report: 11,58
